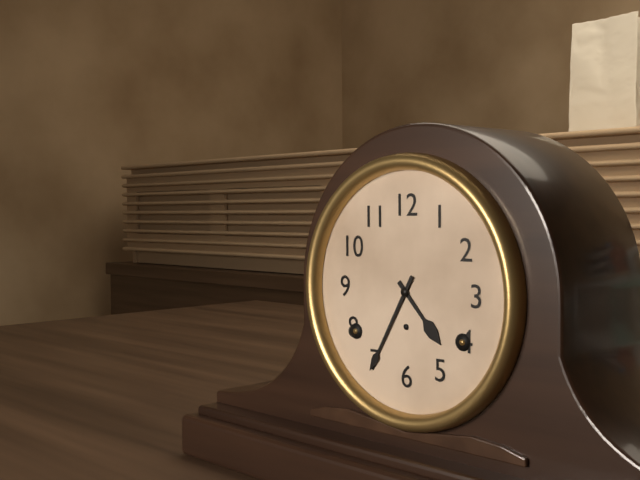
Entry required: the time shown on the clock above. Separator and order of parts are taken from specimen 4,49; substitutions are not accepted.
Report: 4,35
